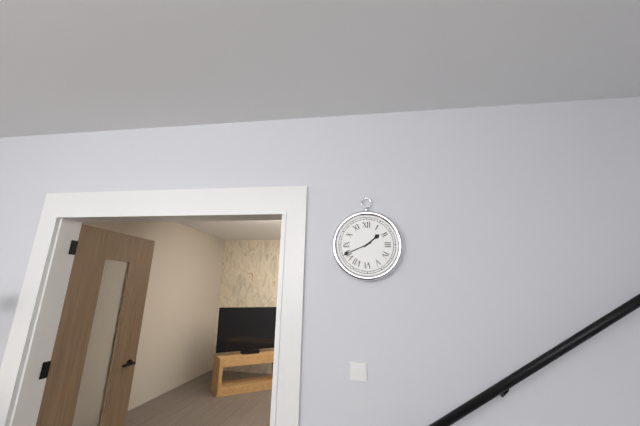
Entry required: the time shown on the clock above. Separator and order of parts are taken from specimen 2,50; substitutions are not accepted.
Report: 1,41
